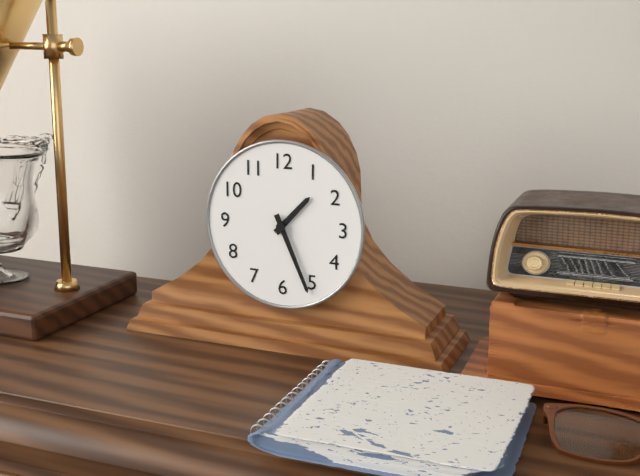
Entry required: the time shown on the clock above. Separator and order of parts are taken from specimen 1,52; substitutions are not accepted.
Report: 1,26
